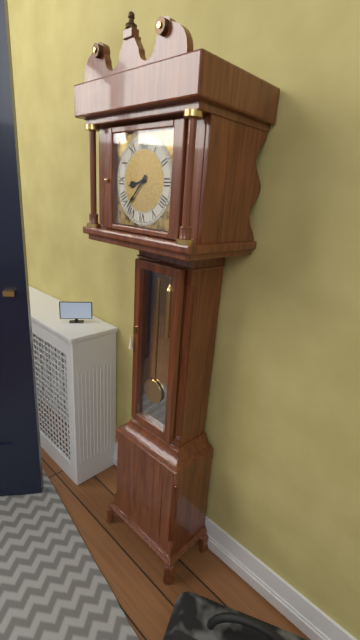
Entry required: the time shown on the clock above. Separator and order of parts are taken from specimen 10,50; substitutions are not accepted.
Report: 8,37
